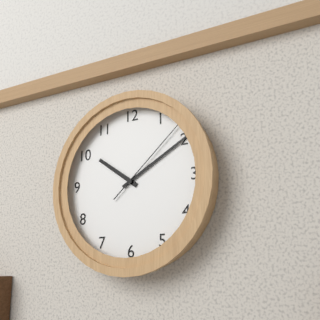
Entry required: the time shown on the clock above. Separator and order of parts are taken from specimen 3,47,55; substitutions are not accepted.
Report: 10,10,08
